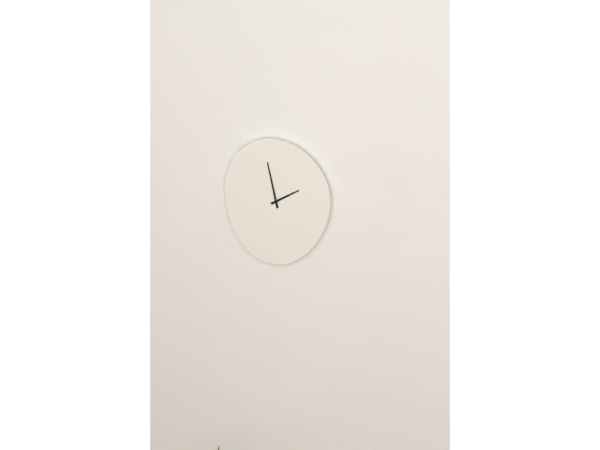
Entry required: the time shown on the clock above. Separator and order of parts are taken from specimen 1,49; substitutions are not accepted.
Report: 1,58
